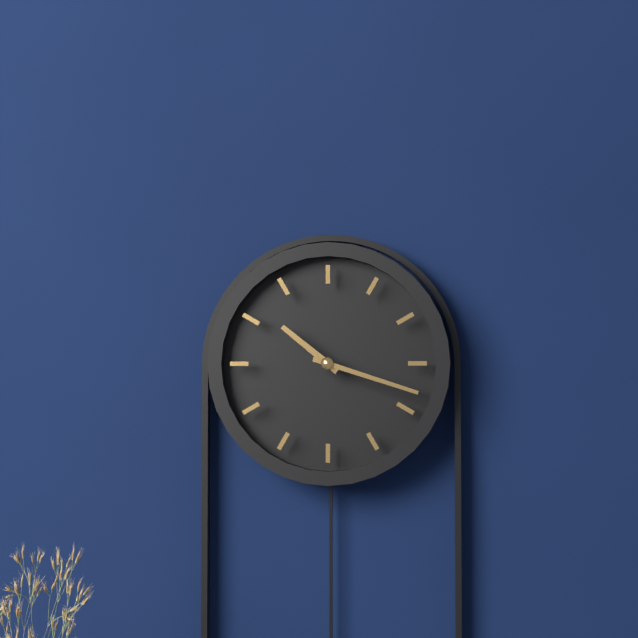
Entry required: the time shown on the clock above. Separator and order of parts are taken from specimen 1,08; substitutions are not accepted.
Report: 10,18
